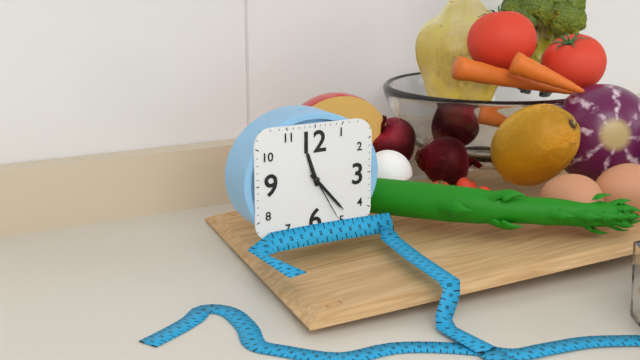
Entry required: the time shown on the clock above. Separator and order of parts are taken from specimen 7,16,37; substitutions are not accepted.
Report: 11,23,25
